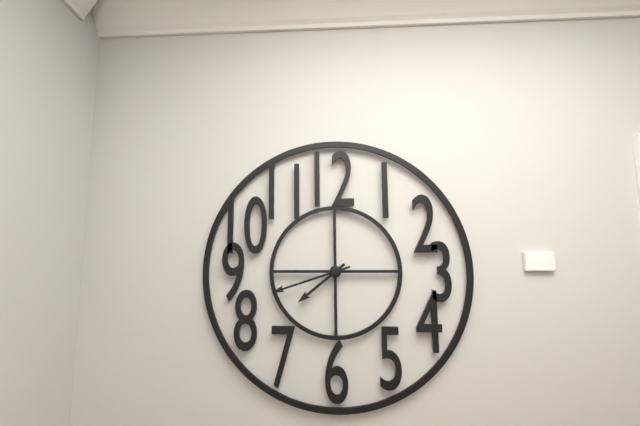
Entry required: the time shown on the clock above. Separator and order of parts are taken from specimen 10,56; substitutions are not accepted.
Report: 7,42
